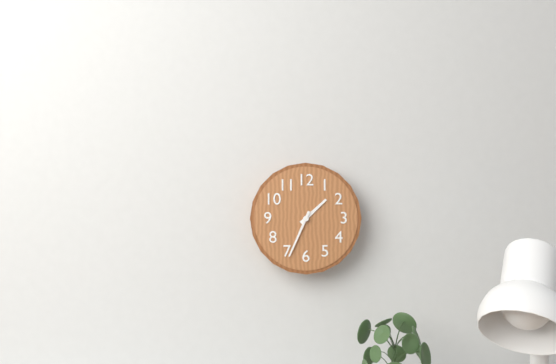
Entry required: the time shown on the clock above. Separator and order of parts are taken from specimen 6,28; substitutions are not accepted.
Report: 1,34
